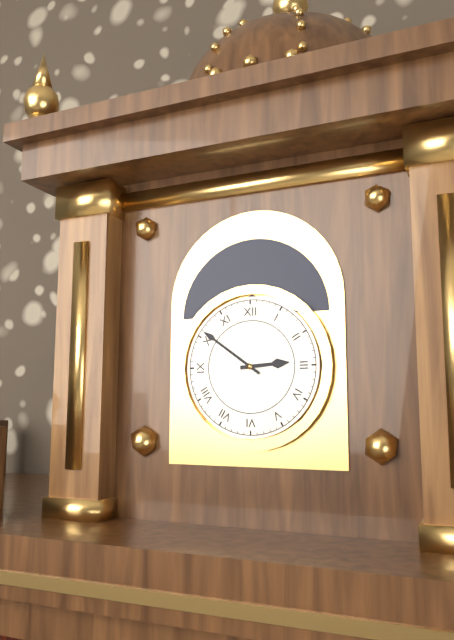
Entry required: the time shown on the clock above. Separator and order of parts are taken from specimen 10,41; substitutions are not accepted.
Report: 2,51
